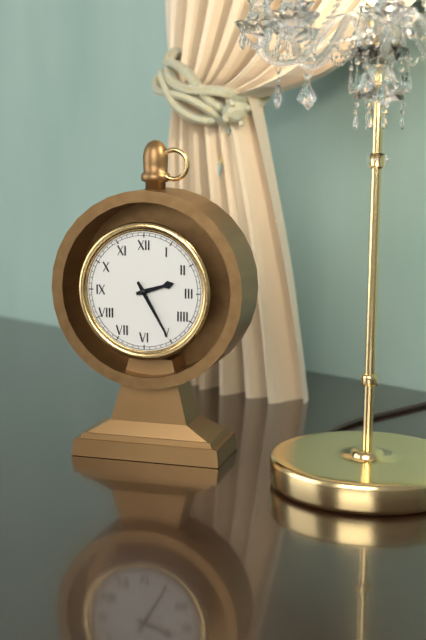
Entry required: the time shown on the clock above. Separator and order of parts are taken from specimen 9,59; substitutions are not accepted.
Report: 2,25
